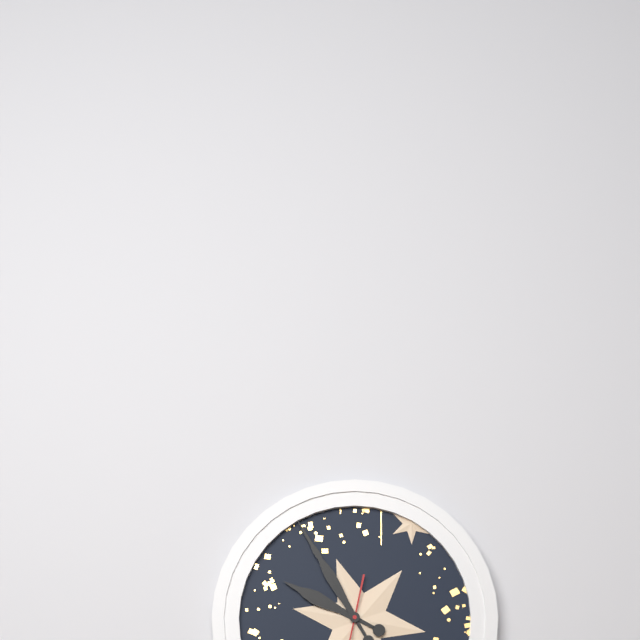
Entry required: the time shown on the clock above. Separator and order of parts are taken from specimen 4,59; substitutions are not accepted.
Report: 9,55
